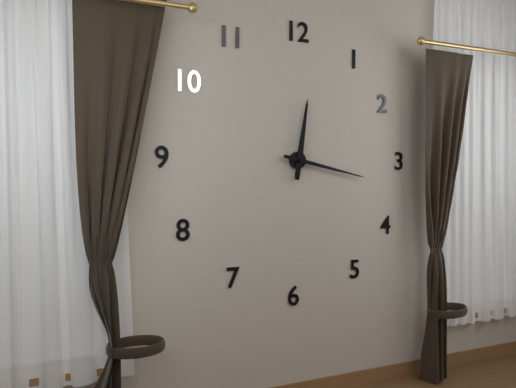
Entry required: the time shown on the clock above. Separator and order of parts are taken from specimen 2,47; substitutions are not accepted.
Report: 12,17
